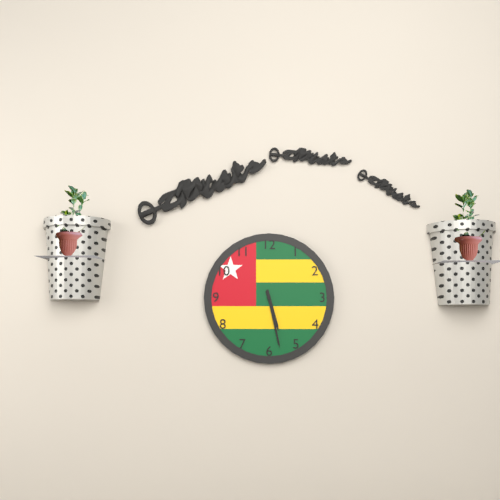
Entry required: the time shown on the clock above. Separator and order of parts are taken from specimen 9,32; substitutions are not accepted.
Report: 5,28
